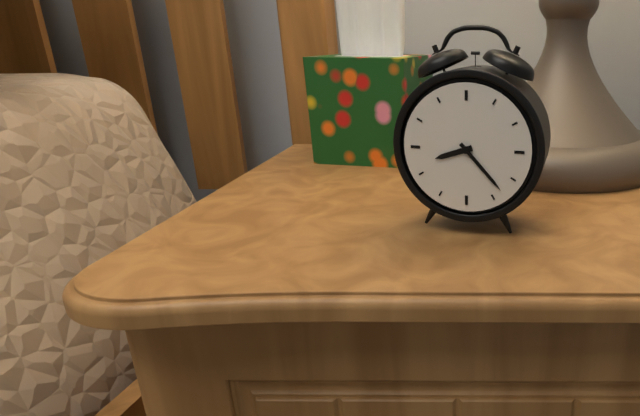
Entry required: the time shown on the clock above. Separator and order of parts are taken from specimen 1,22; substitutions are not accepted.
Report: 8,23
